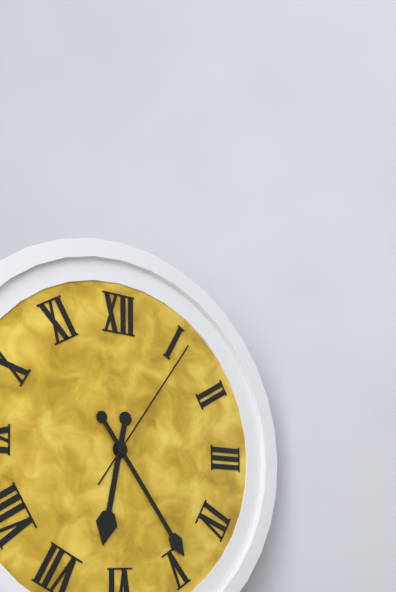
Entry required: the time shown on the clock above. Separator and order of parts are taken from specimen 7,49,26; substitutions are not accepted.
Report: 6,24,06
